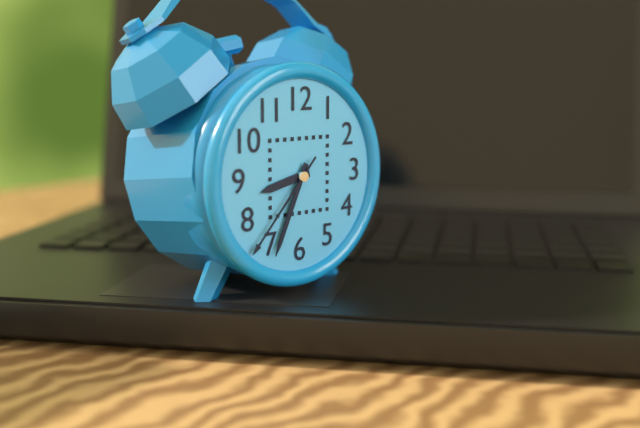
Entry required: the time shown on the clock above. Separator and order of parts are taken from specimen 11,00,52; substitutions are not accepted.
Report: 8,34,37
